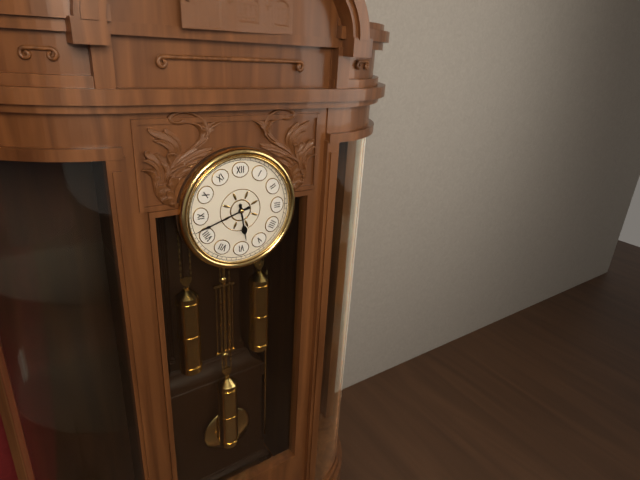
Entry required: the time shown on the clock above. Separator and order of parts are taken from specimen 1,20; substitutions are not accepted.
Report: 5,42
